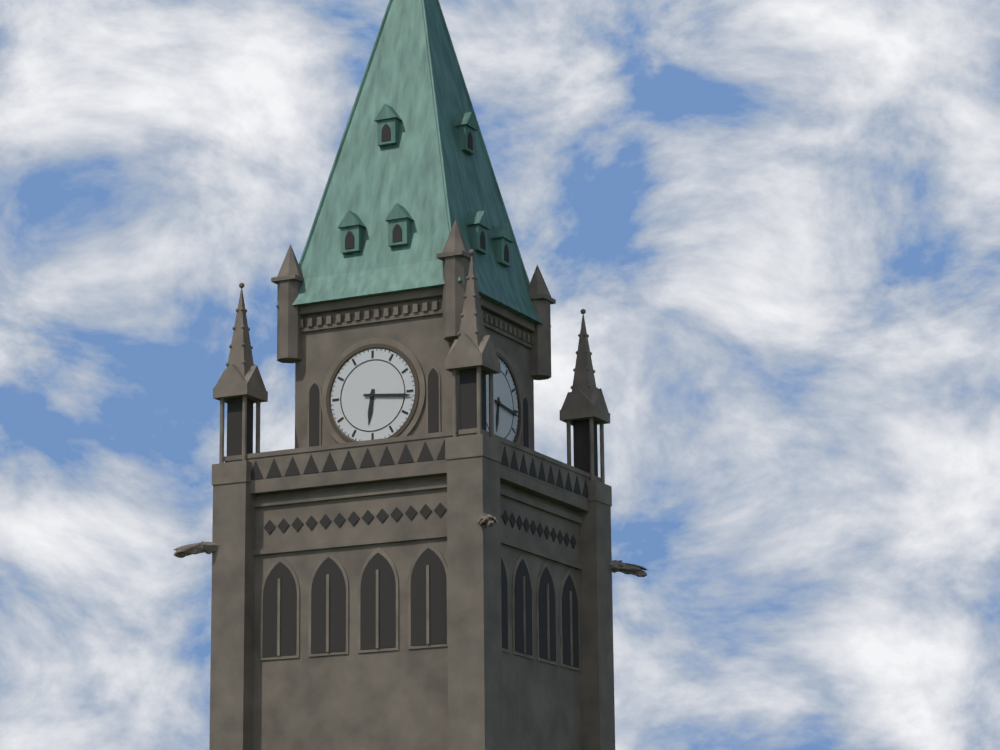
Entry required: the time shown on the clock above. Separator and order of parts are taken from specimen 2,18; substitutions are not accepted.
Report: 6,16
